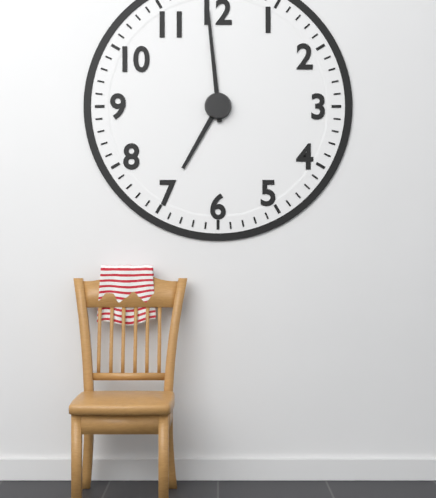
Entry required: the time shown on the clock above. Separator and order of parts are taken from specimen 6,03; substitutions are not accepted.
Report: 6,59
